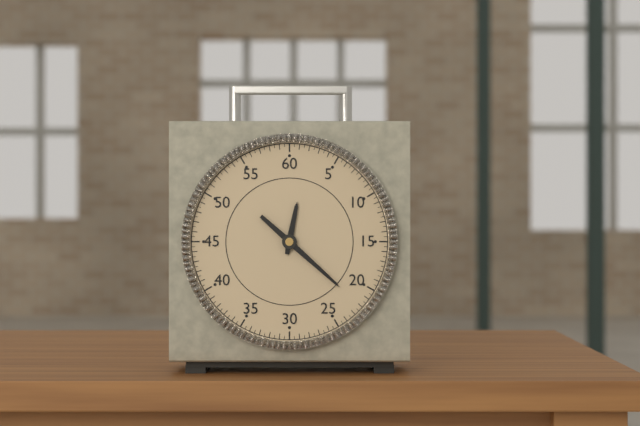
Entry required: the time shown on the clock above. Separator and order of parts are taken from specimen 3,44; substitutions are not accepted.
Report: 12,22
